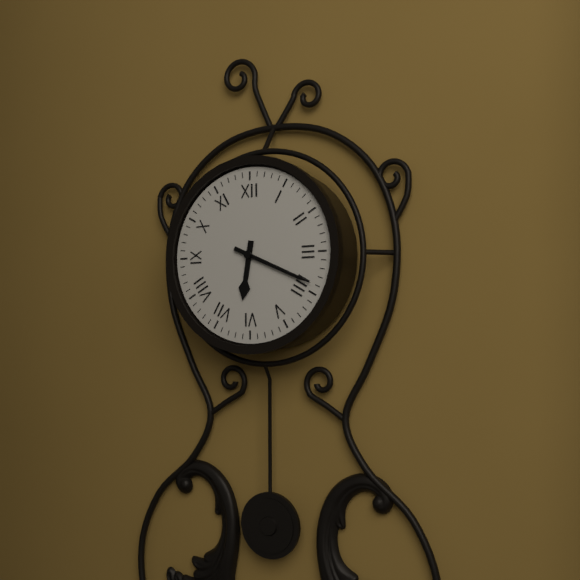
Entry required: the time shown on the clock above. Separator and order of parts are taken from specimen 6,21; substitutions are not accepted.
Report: 6,19
